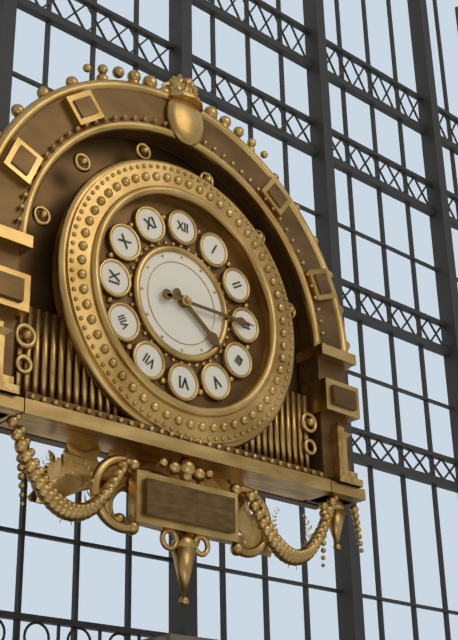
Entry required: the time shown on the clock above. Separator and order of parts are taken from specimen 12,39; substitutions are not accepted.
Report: 4,15
